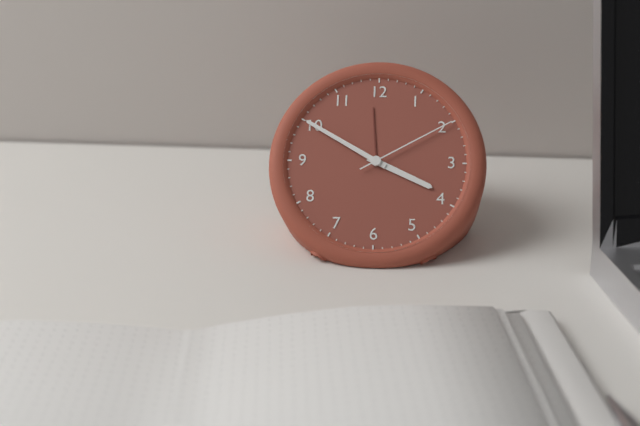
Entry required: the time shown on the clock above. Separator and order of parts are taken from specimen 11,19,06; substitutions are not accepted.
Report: 3,50,10
